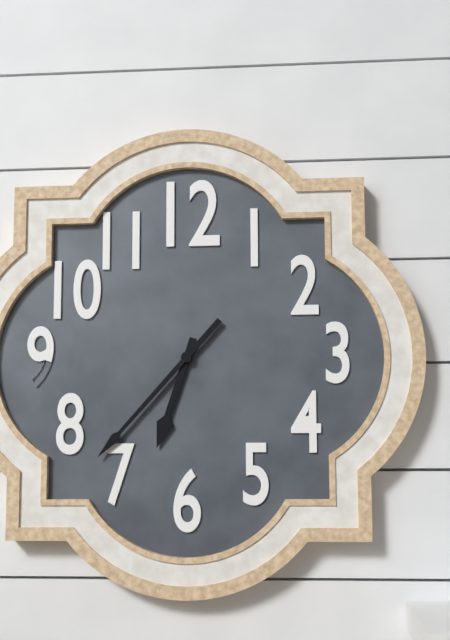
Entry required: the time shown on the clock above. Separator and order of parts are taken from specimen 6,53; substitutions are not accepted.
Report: 6,37
